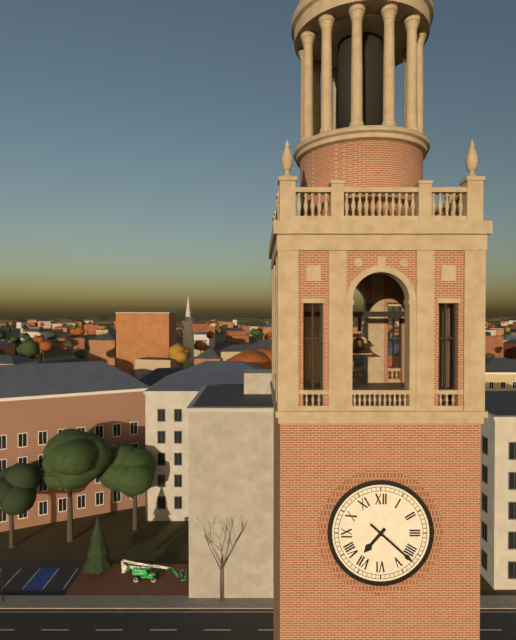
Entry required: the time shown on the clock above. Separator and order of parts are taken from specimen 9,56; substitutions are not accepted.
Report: 7,22
